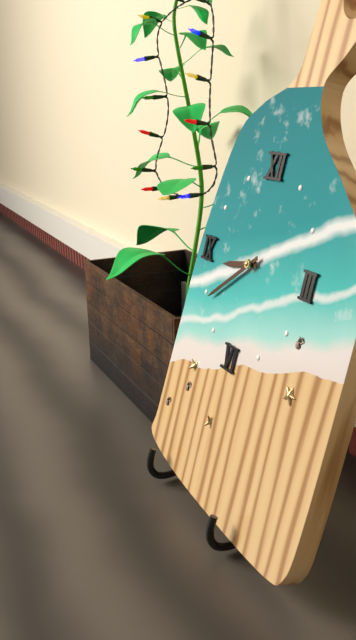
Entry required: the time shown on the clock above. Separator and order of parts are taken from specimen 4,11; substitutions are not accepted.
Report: 8,39
